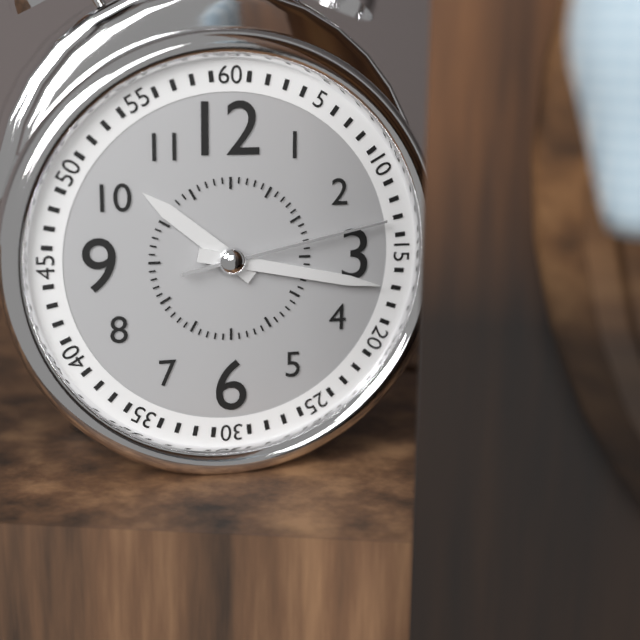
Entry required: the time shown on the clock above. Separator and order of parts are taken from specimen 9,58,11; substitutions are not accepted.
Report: 10,17,13
